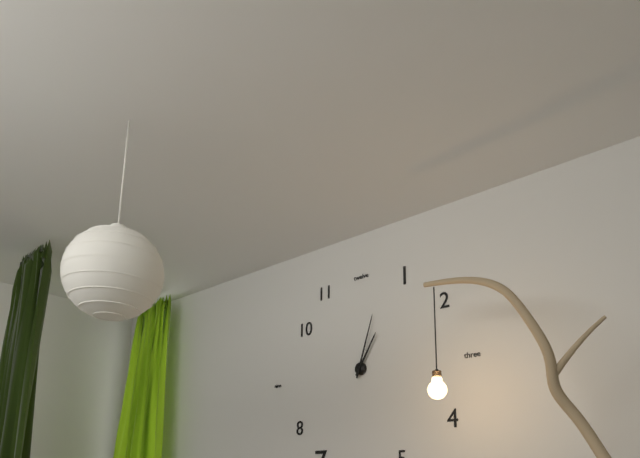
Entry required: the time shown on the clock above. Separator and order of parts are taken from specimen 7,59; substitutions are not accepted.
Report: 1,03
